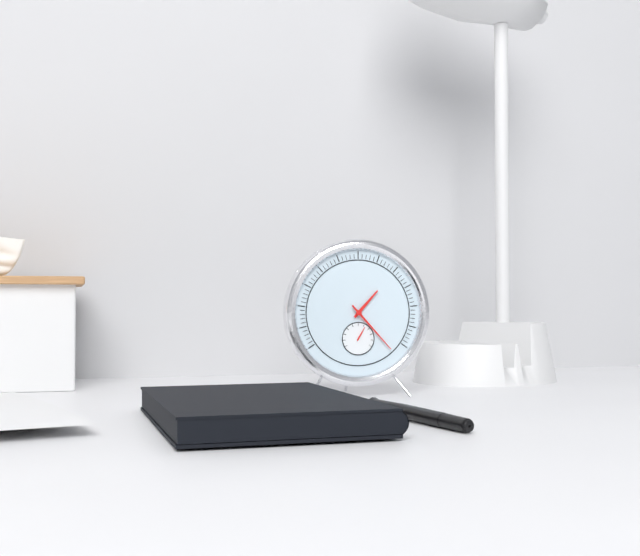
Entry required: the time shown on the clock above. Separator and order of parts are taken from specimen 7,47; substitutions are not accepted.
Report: 1,23
